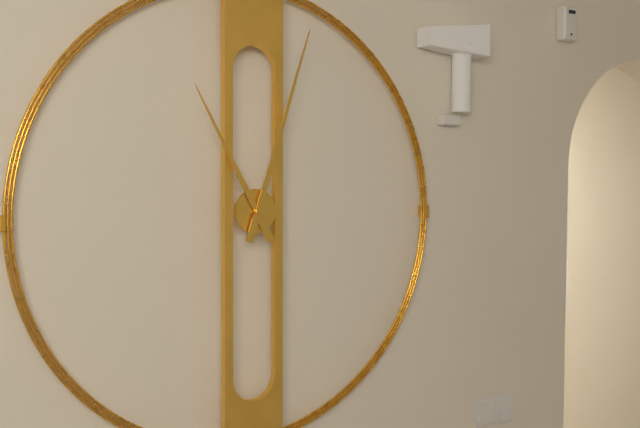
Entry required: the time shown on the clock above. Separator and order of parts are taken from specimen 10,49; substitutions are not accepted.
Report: 11,03
